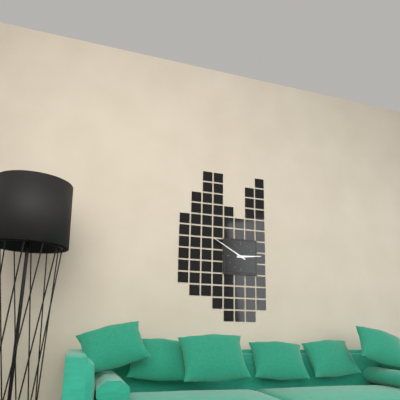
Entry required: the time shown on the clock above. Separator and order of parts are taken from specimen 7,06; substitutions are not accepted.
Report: 2,50
